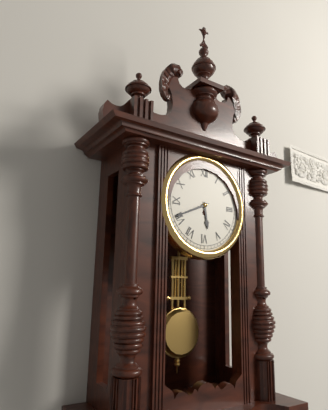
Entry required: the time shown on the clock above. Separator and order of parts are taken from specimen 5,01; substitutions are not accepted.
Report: 5,41
